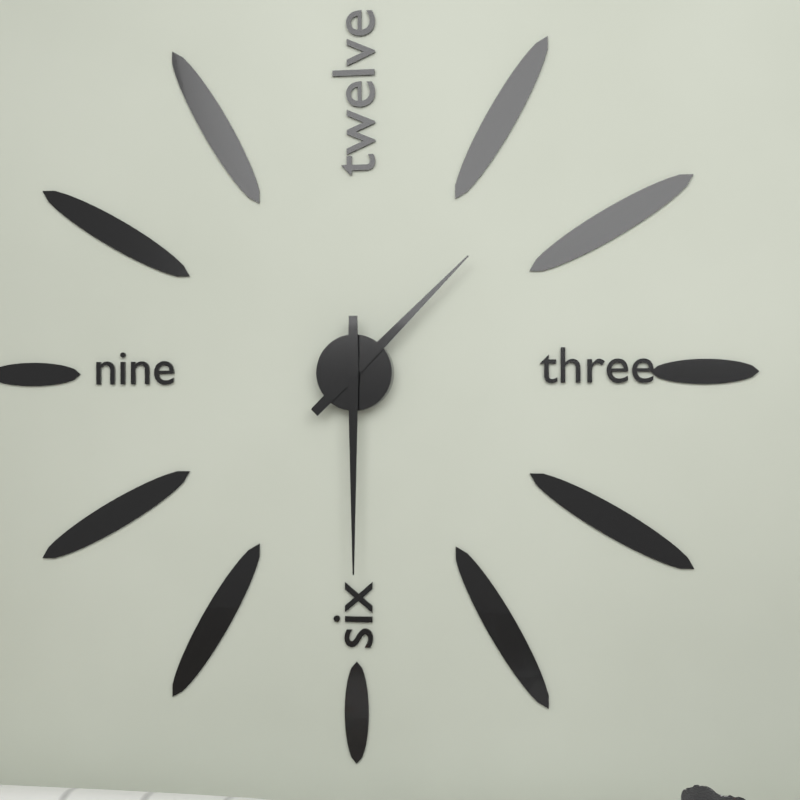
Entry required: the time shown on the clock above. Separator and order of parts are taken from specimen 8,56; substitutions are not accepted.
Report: 1,30
